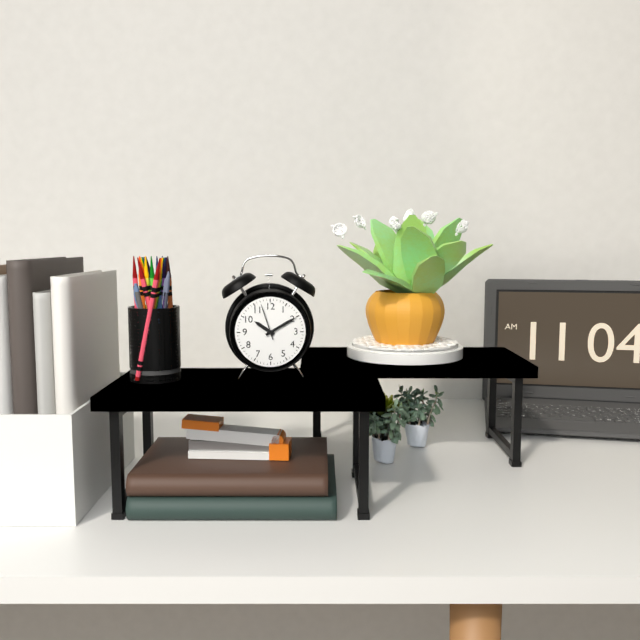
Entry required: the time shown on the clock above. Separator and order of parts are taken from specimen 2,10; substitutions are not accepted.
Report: 10,10
